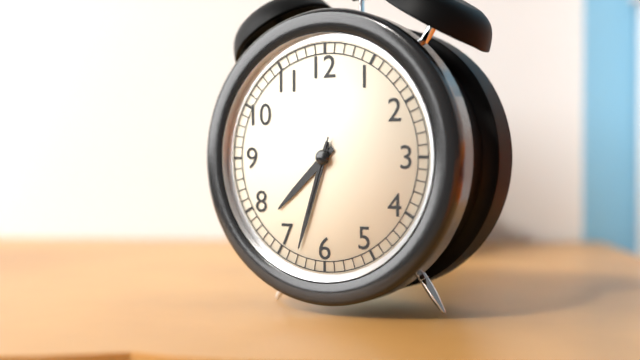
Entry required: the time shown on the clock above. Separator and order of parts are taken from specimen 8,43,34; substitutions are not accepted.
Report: 7,33,33
